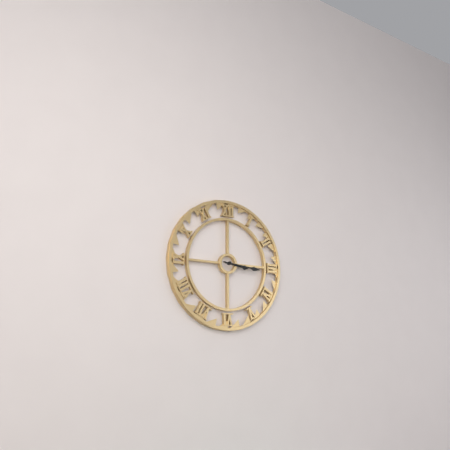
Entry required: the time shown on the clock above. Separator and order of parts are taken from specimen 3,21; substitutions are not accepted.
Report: 3,16
